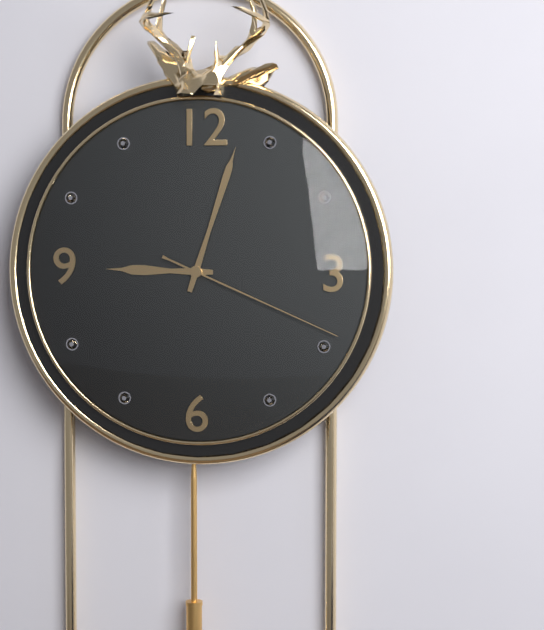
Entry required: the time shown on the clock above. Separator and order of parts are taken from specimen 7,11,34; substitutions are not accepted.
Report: 9,03,19
